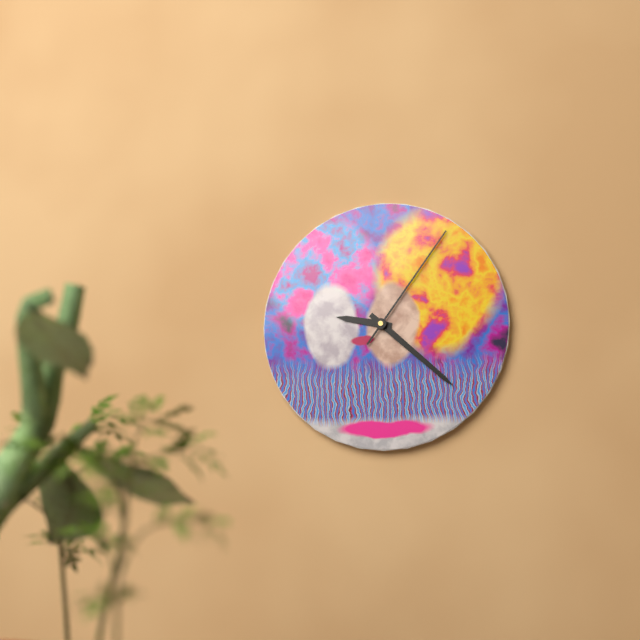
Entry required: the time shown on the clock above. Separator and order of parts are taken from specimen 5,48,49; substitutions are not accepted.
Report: 9,22,06
